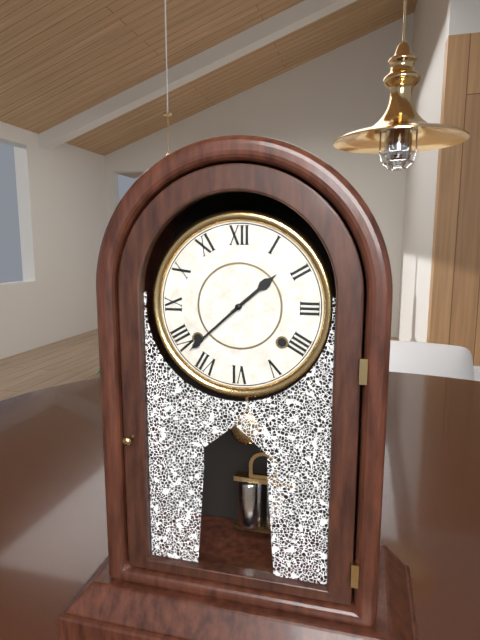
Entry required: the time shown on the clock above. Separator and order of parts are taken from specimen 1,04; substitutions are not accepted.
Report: 1,38
